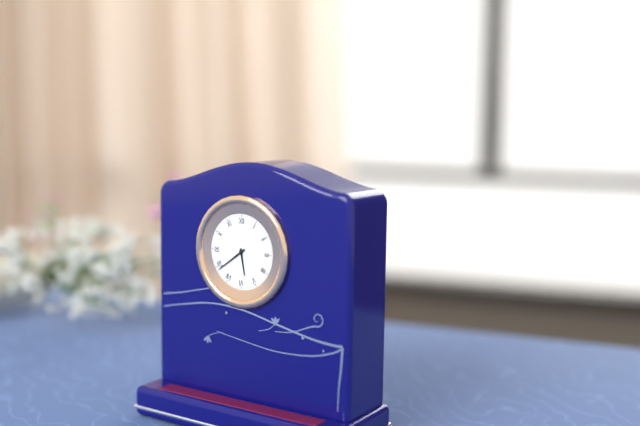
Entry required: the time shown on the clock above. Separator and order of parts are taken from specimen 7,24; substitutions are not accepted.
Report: 5,39
